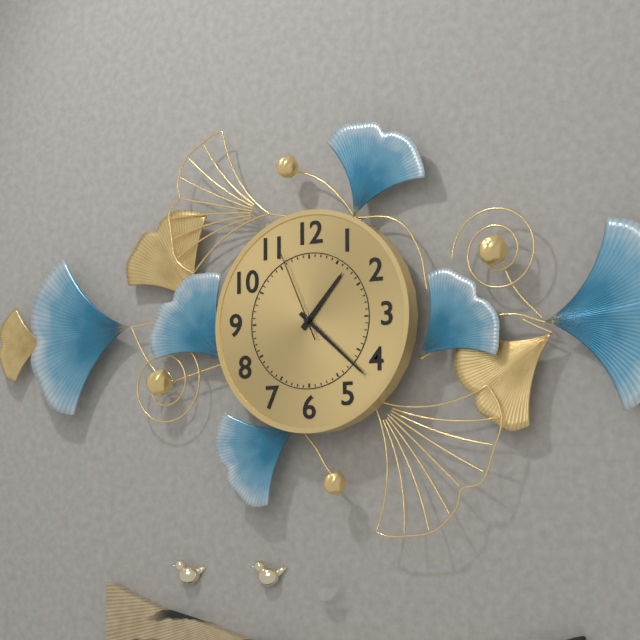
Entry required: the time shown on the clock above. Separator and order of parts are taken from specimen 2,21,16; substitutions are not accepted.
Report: 1,22,56
